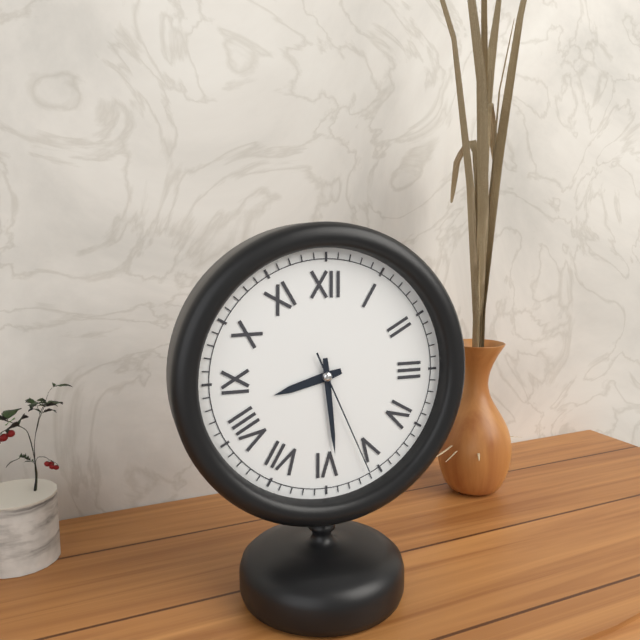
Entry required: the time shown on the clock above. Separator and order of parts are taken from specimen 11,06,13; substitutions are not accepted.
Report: 8,29,26
